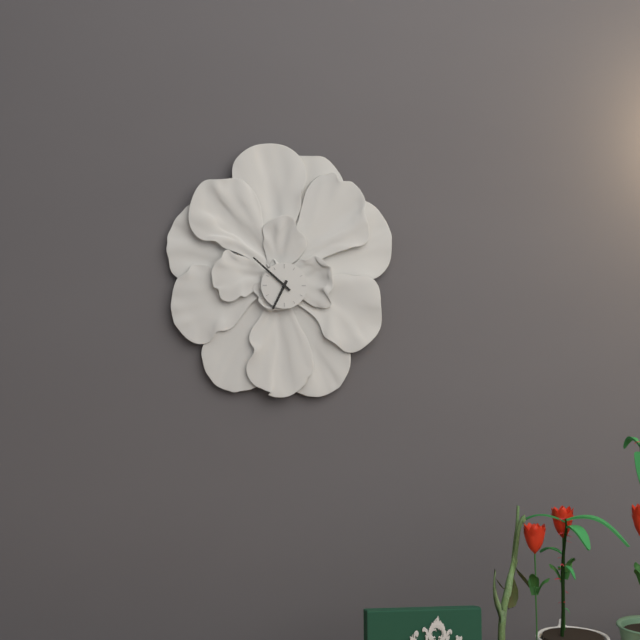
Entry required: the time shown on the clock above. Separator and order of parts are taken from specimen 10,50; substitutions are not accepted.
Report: 6,52
